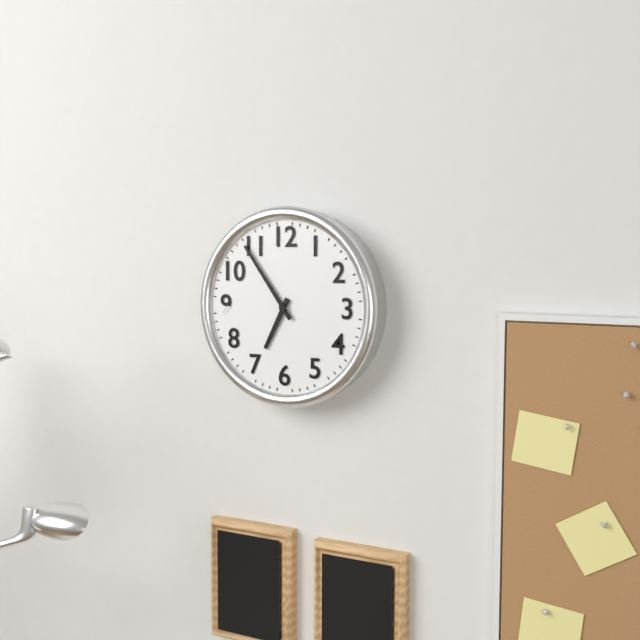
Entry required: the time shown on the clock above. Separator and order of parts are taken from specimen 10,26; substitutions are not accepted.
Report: 6,54
